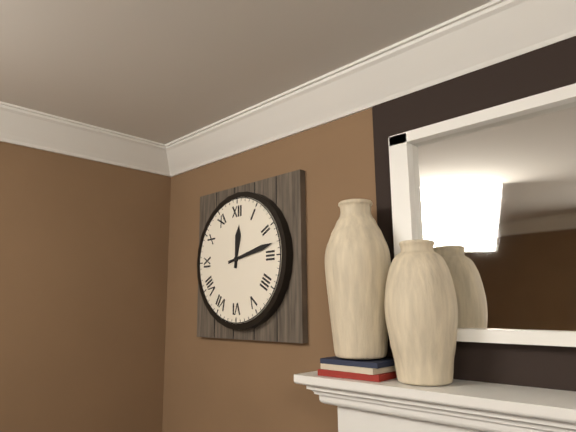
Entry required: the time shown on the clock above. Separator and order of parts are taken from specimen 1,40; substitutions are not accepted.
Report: 12,13
